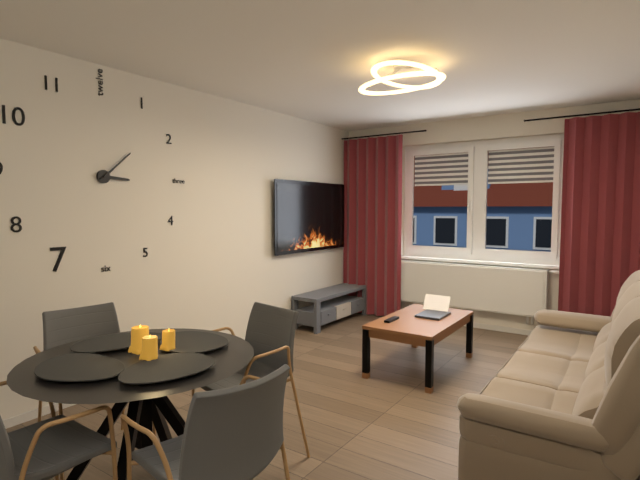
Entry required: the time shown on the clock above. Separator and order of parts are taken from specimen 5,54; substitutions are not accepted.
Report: 3,08
